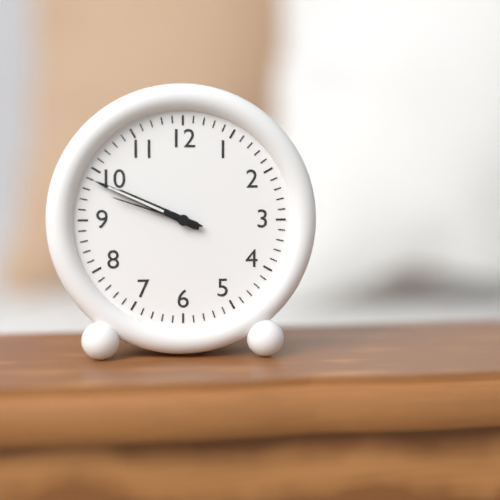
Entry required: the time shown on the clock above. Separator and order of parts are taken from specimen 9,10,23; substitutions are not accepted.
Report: 9,49,48
